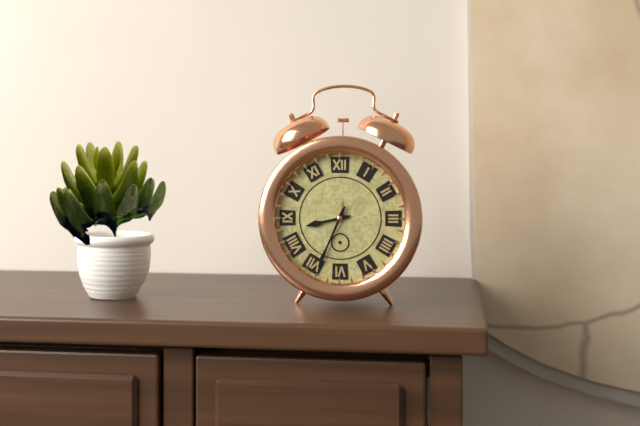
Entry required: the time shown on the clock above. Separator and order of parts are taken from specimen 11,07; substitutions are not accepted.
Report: 8,34
